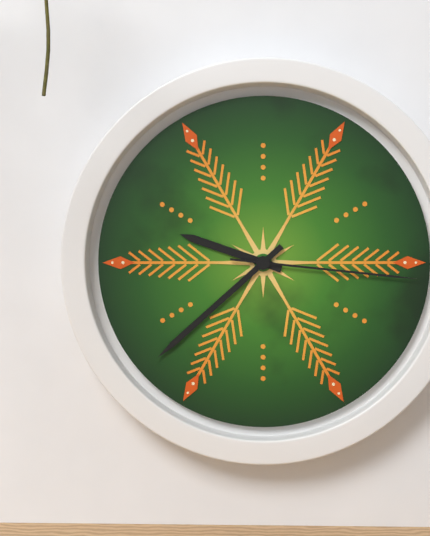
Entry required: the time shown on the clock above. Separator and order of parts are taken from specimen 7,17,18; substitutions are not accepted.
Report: 9,38,16
